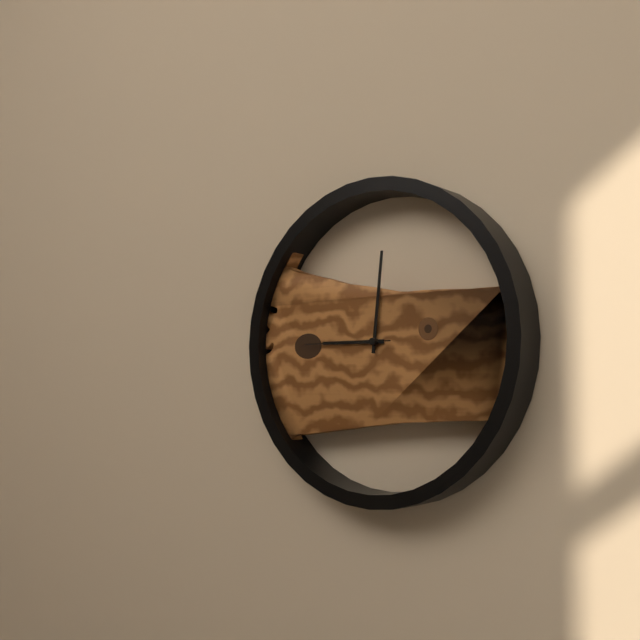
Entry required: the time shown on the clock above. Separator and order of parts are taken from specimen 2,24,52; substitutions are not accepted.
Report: 9,01,45
